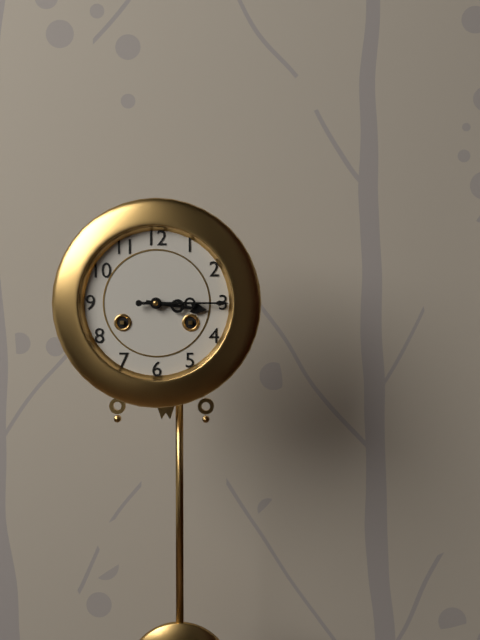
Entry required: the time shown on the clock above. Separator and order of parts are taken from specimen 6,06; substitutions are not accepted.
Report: 3,15
